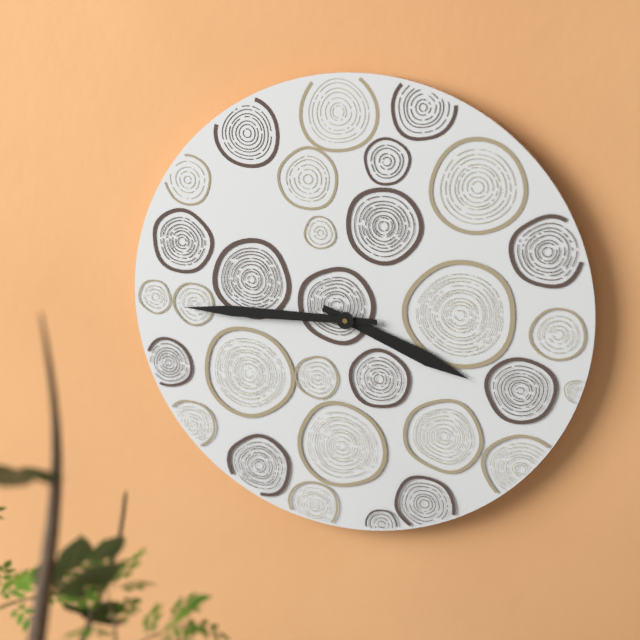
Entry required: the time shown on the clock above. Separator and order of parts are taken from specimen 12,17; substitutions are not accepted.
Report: 3,45
